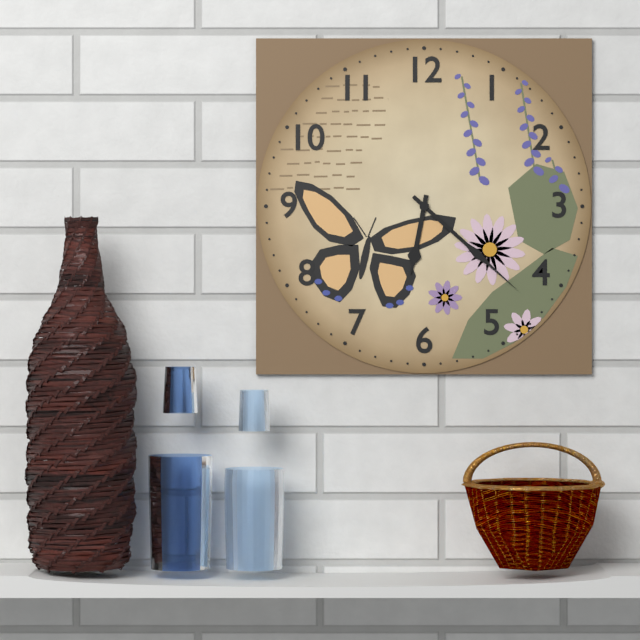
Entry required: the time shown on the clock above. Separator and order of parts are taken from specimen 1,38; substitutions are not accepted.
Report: 6,22
